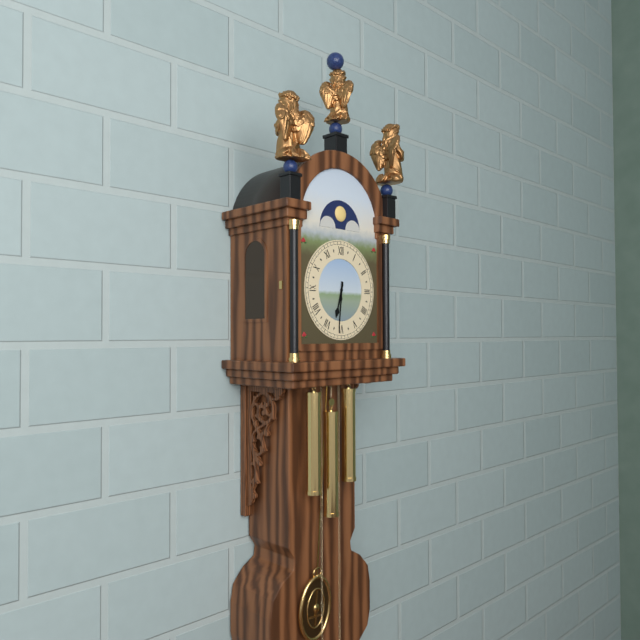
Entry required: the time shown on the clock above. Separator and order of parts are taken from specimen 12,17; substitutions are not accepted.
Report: 6,31
